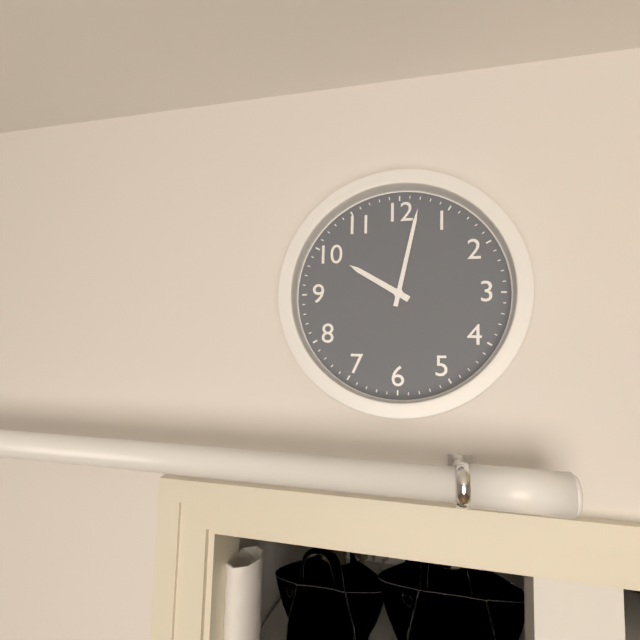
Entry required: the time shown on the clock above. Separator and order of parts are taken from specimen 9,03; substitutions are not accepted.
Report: 10,02
